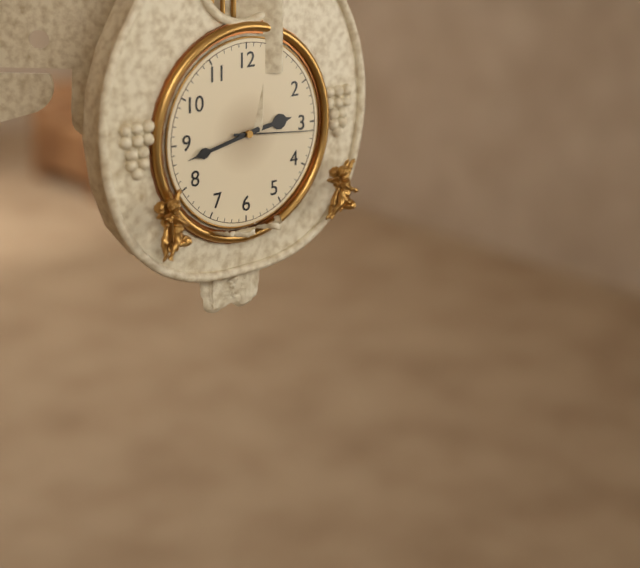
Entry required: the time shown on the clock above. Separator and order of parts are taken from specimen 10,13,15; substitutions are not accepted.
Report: 2,43,16
